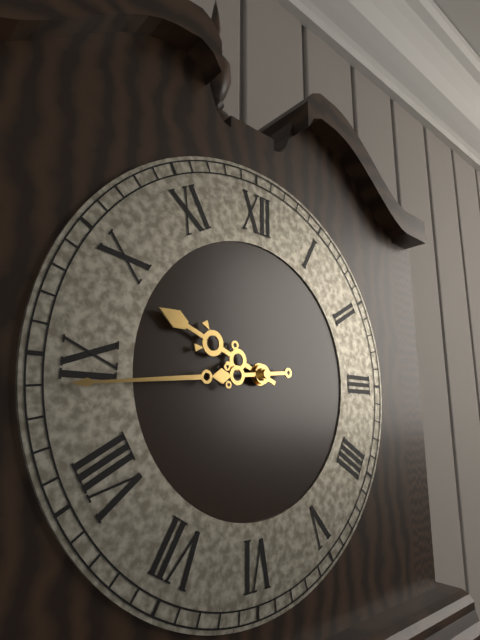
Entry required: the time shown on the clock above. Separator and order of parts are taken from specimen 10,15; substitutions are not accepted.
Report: 9,44
